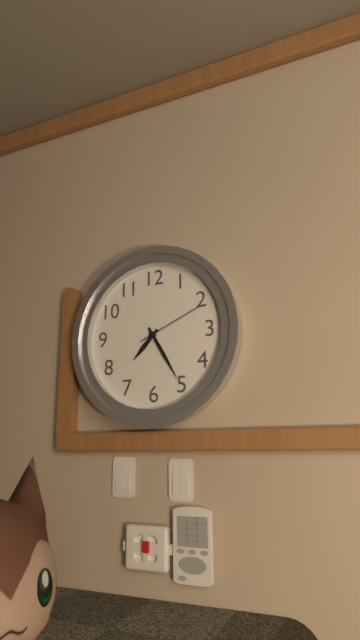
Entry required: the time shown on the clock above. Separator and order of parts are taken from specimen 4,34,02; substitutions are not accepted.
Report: 7,25,11
